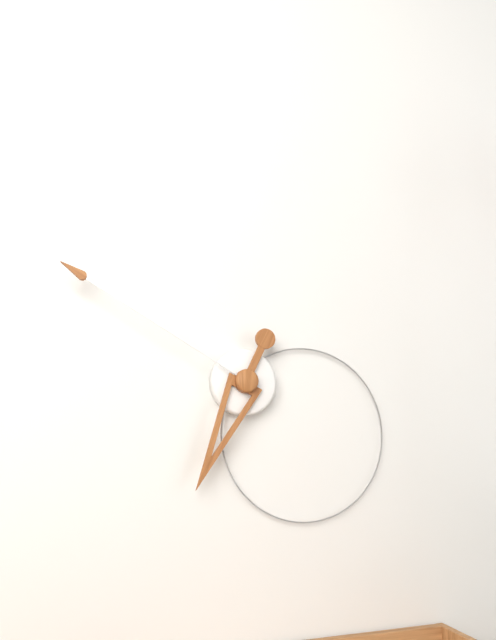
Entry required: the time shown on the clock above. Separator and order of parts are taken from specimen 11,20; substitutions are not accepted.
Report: 6,50
